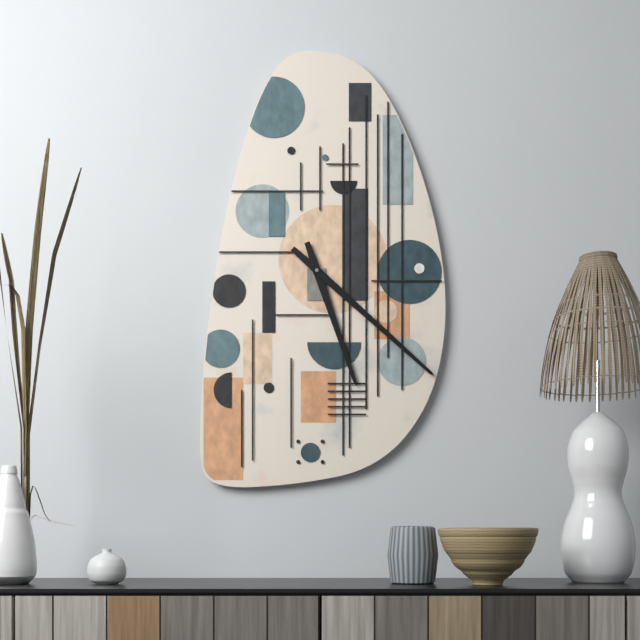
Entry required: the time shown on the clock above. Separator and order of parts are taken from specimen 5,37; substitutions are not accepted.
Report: 5,22
